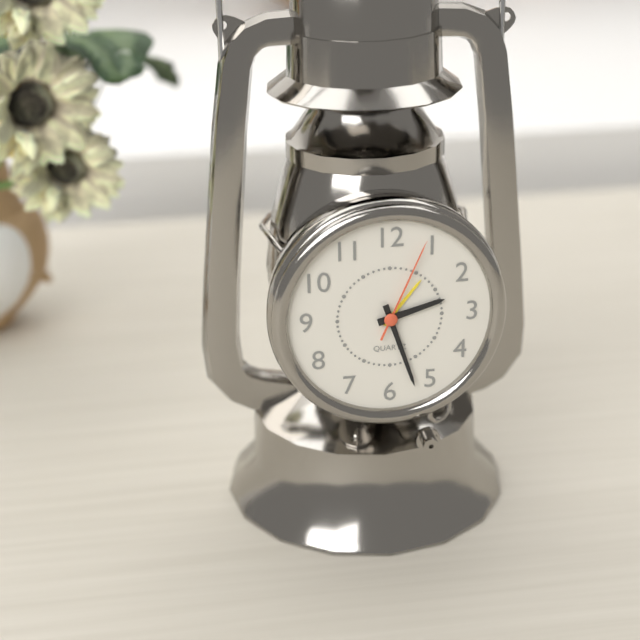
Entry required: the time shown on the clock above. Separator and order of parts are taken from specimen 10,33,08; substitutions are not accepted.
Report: 2,27,04
